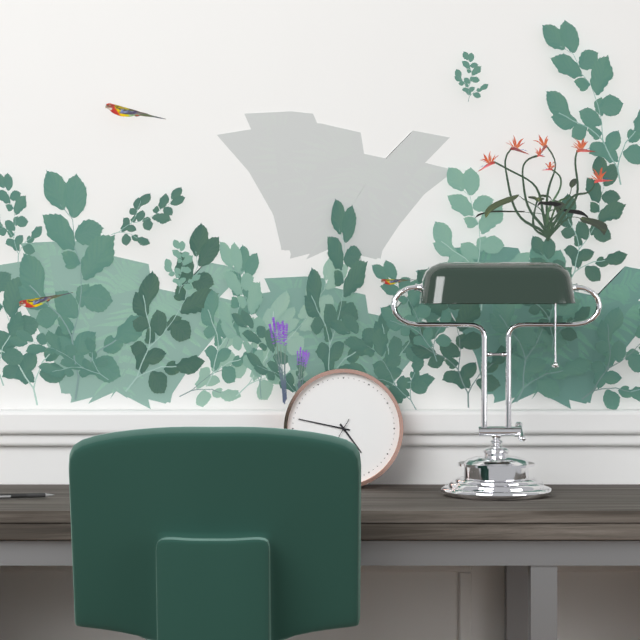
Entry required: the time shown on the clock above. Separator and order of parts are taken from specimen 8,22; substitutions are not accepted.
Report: 4,47
